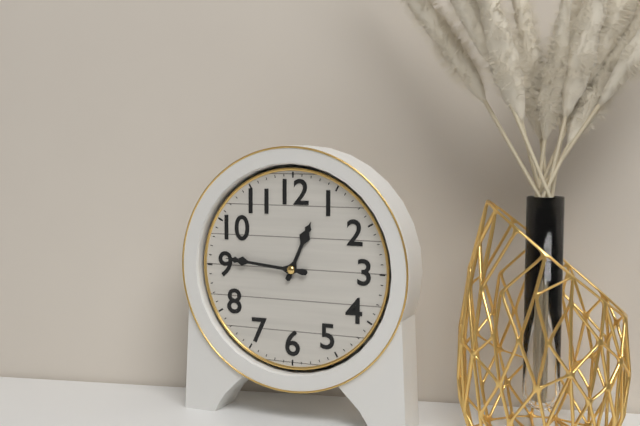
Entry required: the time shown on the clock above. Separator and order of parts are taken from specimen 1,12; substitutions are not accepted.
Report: 12,46
